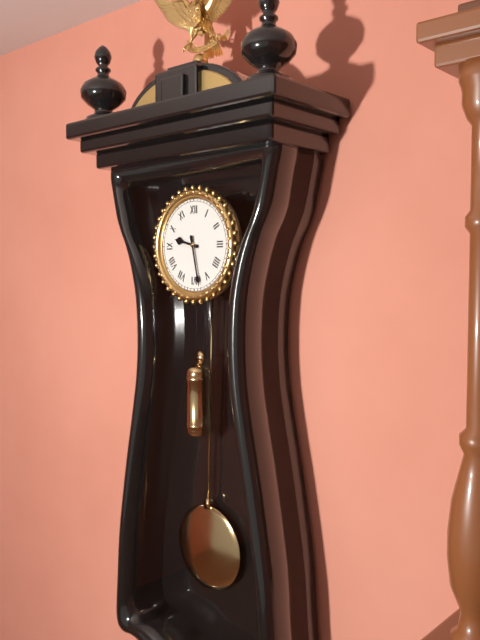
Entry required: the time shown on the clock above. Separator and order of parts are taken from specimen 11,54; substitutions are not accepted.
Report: 9,28
